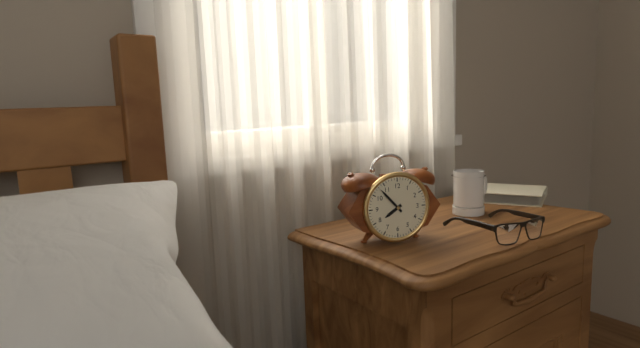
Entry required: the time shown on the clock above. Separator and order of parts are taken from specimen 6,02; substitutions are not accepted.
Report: 7,53
